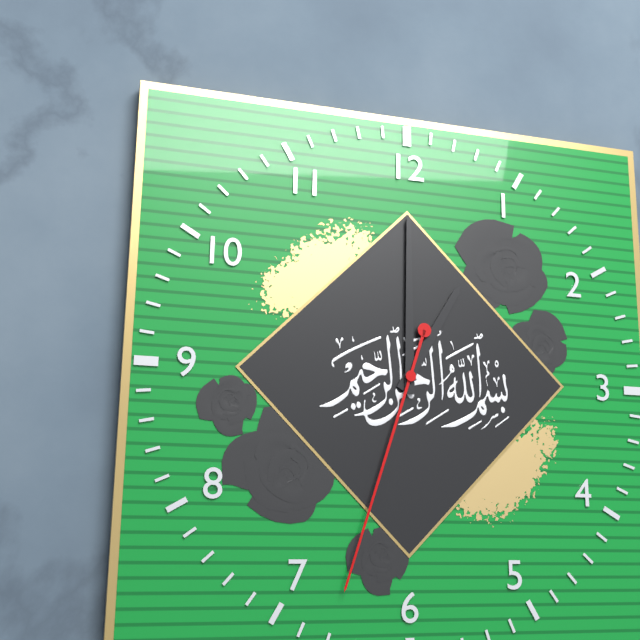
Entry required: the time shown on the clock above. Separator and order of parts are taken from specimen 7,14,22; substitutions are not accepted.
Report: 1,00,33
